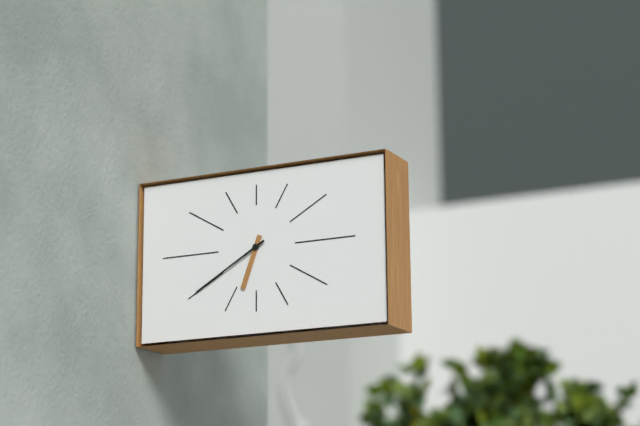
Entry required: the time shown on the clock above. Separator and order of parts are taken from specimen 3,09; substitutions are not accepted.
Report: 6,40
